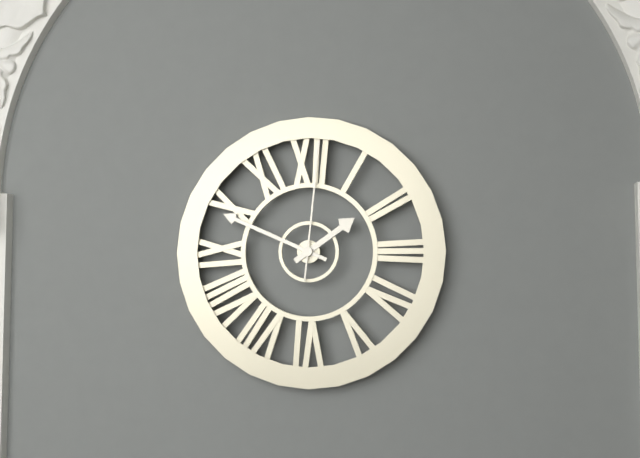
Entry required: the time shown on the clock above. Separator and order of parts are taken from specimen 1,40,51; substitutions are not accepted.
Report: 1,49,01
